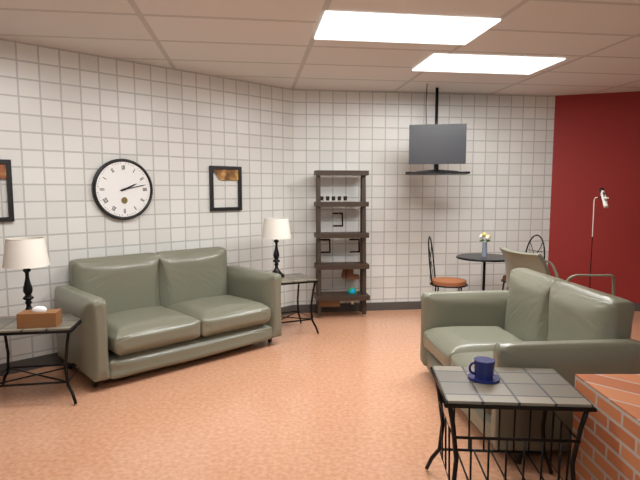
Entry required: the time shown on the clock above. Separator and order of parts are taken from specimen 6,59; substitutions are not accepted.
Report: 2,13
